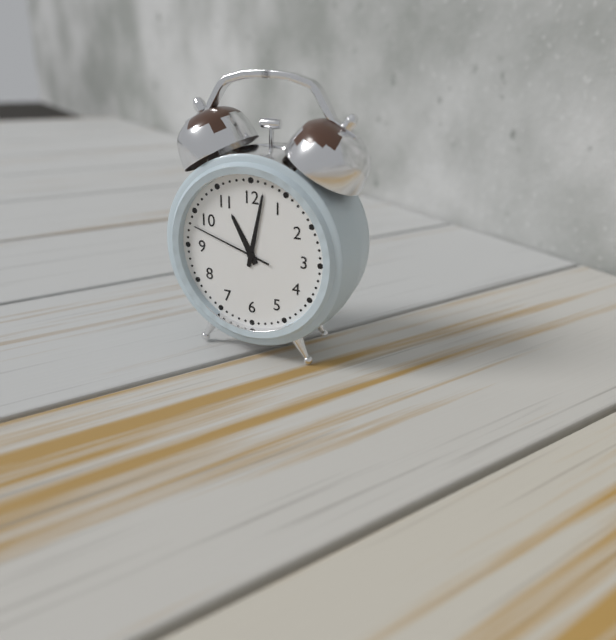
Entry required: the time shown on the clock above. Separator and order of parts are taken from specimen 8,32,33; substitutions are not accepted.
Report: 11,02,48
